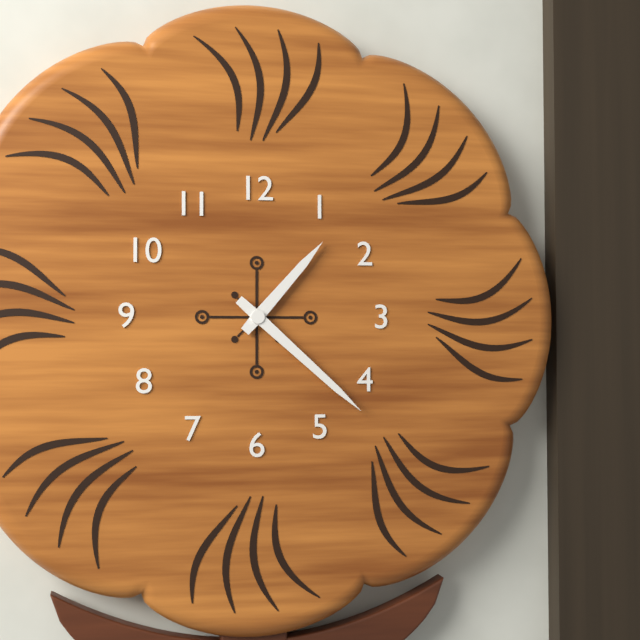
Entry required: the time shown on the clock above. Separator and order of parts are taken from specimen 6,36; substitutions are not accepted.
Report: 1,22
